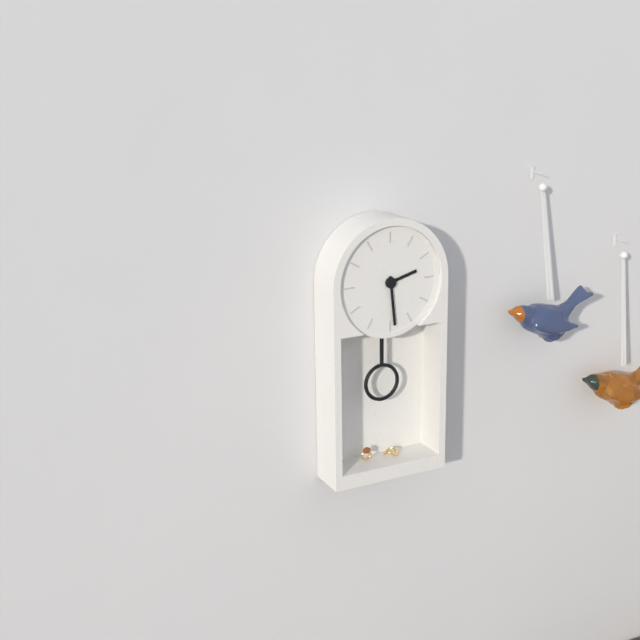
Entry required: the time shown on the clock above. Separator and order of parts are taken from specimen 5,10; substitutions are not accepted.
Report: 2,29
